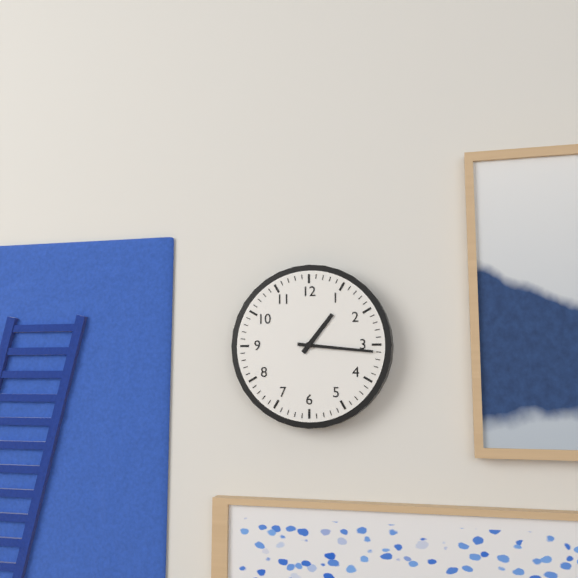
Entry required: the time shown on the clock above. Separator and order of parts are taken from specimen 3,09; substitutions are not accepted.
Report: 1,16
